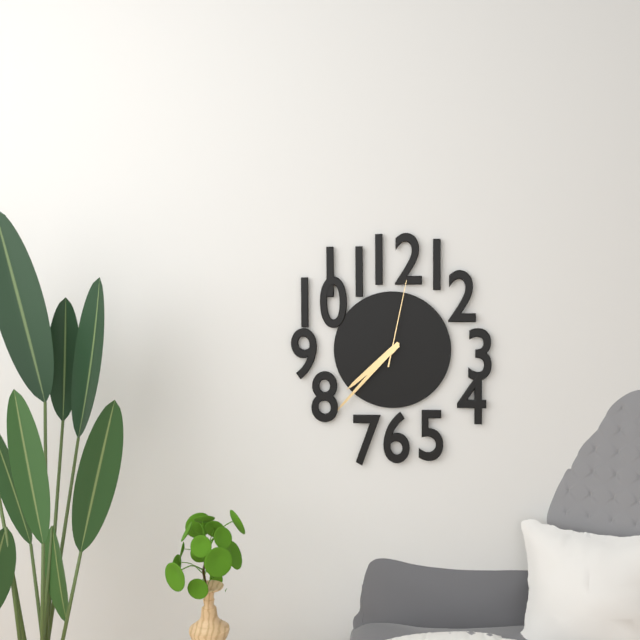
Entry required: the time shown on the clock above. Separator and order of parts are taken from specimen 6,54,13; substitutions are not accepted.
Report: 7,37,02
